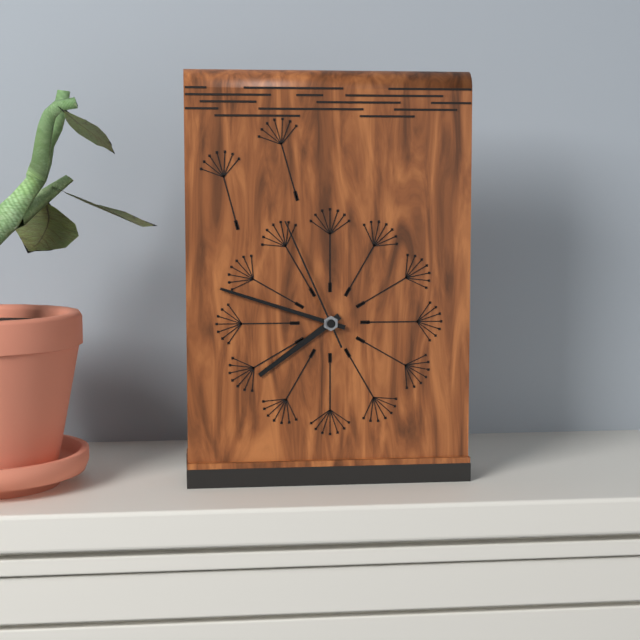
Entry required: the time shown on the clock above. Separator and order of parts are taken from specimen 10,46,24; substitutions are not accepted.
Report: 7,48,56
